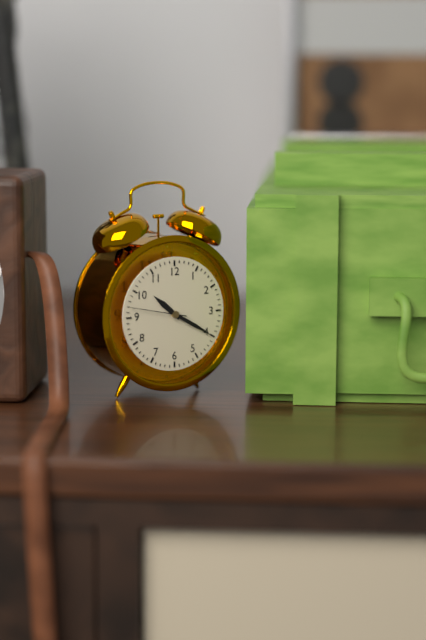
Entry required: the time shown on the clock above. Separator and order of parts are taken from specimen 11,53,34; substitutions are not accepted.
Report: 10,20,47
